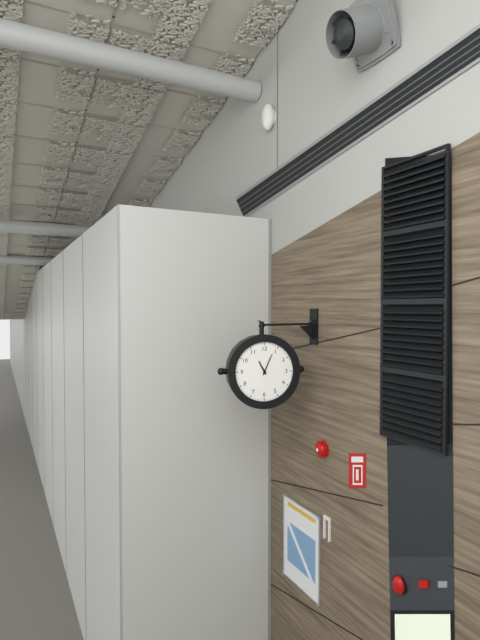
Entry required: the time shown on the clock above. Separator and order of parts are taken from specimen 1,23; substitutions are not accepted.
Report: 11,04
